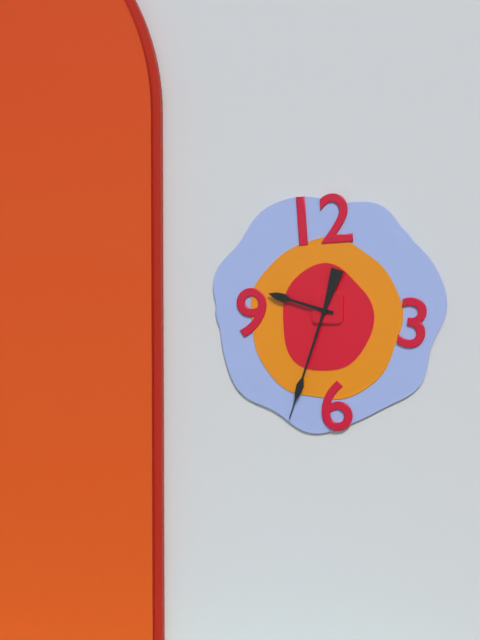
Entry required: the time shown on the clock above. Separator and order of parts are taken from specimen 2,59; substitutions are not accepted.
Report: 9,33
